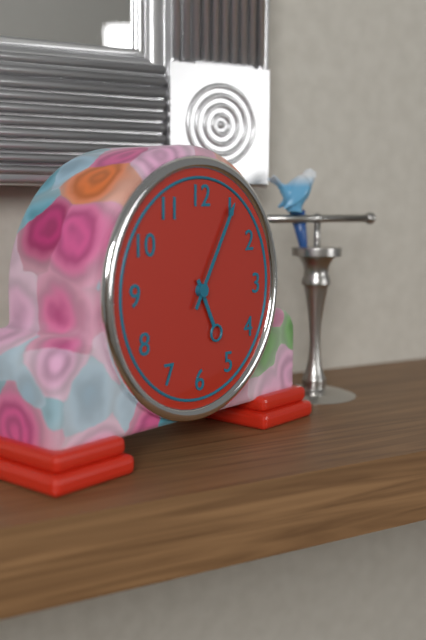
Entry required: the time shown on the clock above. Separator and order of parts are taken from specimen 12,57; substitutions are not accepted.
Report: 5,05
